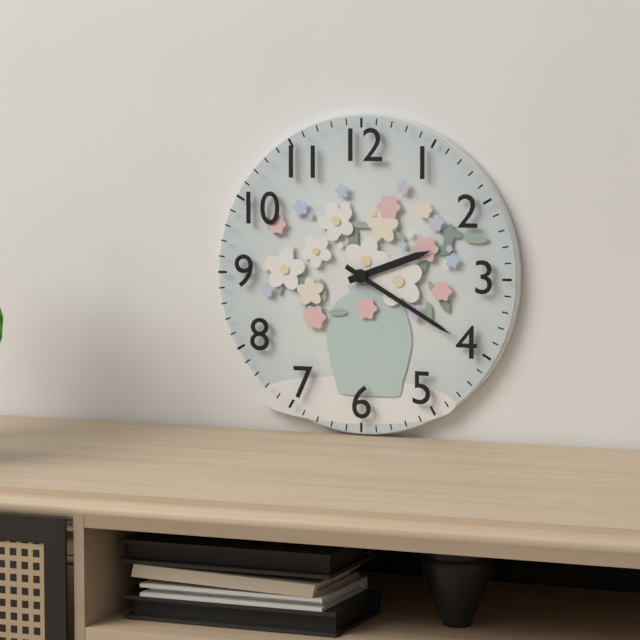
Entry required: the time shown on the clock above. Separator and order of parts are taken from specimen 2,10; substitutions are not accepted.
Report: 2,20
